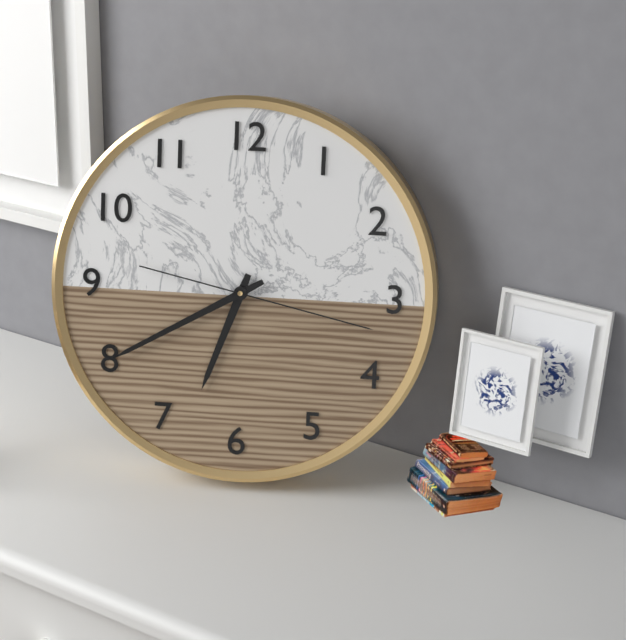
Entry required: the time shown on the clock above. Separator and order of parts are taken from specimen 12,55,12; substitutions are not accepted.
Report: 6,40,17
